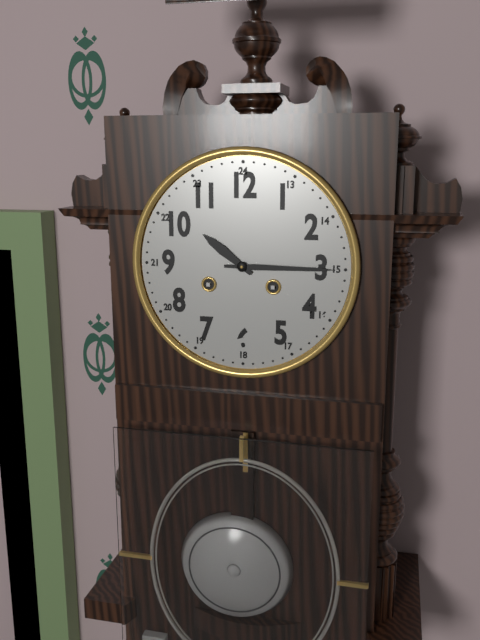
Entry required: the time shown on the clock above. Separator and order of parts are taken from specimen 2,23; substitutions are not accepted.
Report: 10,15
